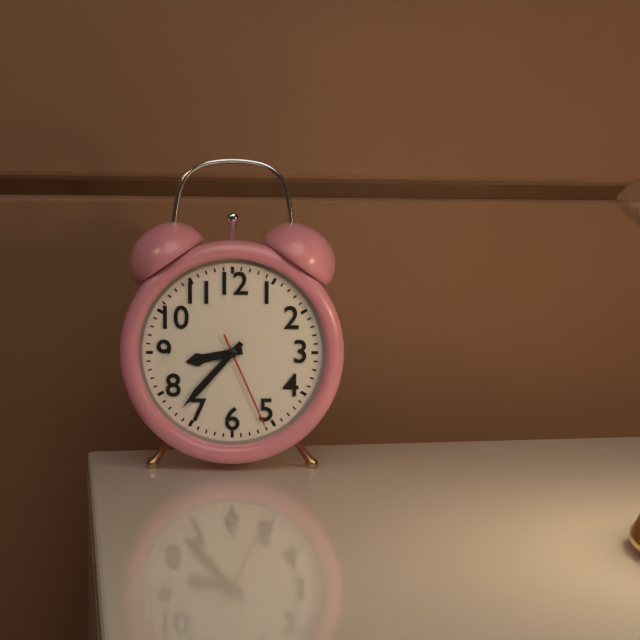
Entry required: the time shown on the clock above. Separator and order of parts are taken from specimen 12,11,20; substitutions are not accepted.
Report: 8,37,26
